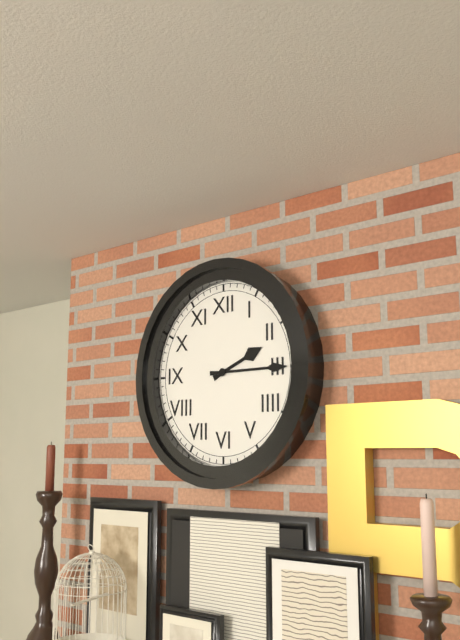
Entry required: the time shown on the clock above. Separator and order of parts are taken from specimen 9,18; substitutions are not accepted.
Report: 2,15
